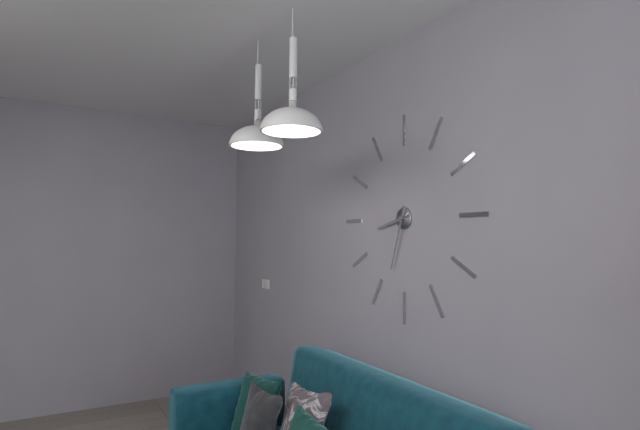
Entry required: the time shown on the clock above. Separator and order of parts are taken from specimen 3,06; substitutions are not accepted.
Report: 8,33
